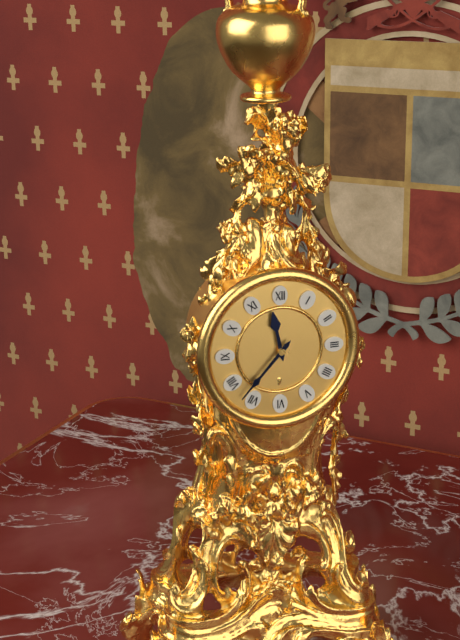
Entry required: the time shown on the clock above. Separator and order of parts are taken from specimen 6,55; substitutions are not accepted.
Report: 11,37
